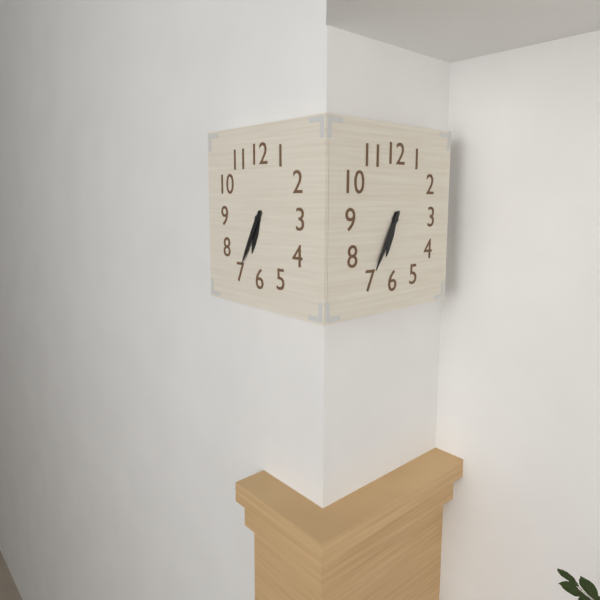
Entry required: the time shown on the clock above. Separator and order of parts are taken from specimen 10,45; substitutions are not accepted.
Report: 6,35
